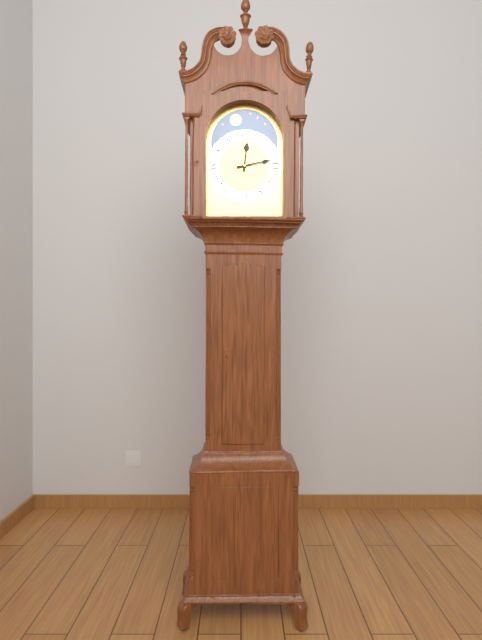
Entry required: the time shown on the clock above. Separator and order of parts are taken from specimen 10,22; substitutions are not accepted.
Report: 12,13
